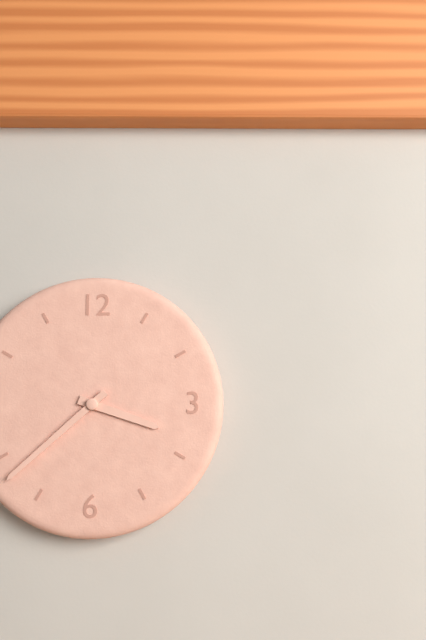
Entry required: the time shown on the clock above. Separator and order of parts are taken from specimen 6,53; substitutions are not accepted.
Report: 3,38
